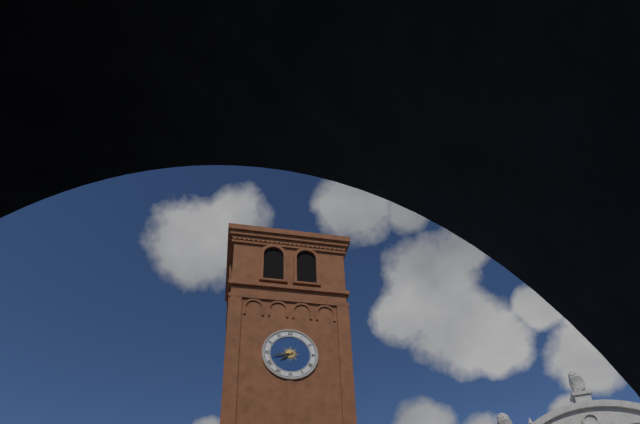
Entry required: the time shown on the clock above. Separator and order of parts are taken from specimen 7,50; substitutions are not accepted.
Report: 7,43
